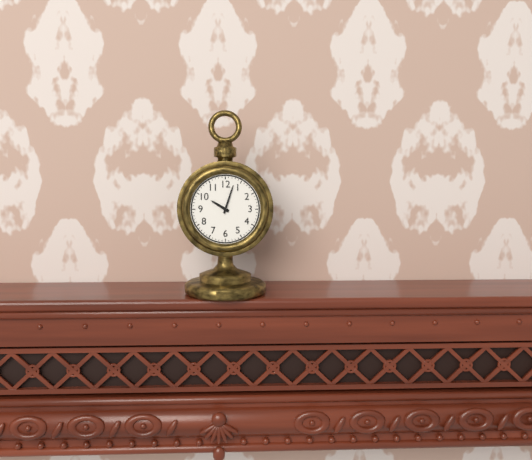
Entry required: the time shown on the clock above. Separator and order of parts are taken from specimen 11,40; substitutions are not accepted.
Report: 10,03
